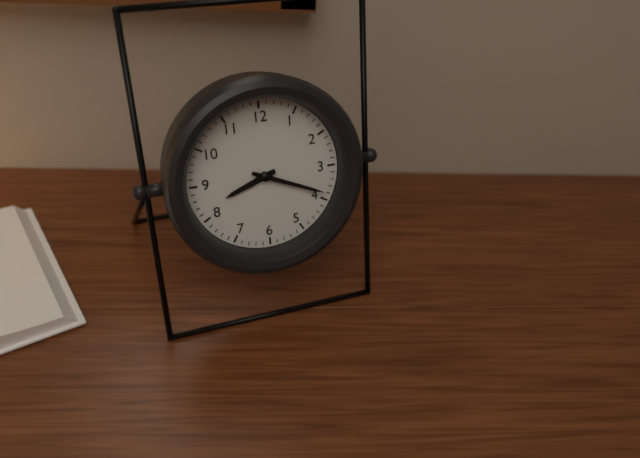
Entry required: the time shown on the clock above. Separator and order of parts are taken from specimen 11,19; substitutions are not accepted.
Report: 8,19
